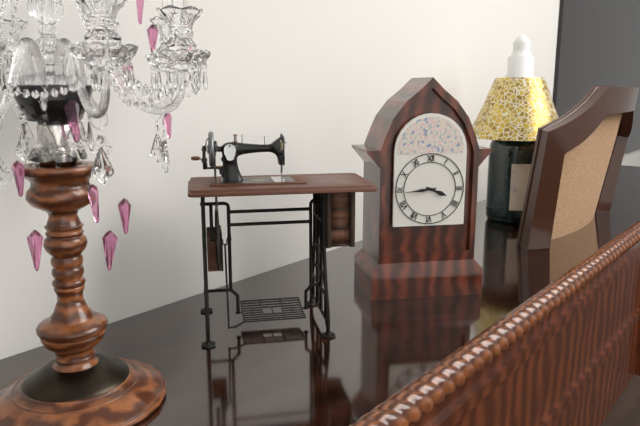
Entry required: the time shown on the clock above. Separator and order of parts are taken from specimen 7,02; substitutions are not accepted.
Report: 3,44
